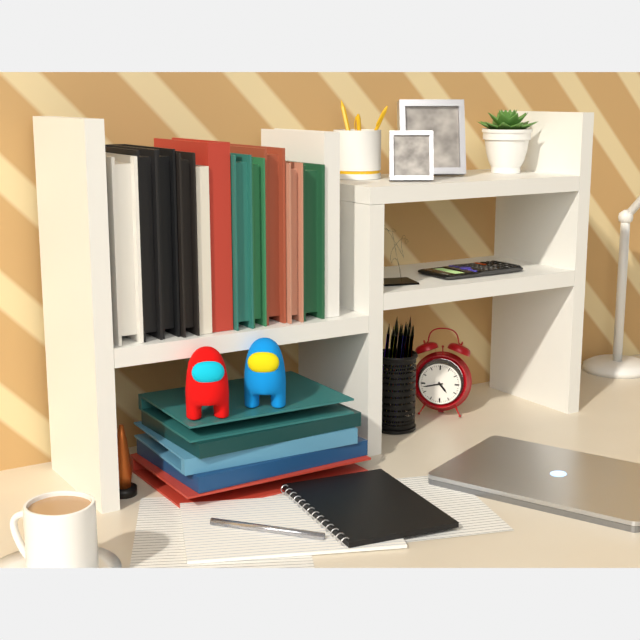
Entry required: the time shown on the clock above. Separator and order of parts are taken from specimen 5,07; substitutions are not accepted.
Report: 4,43
